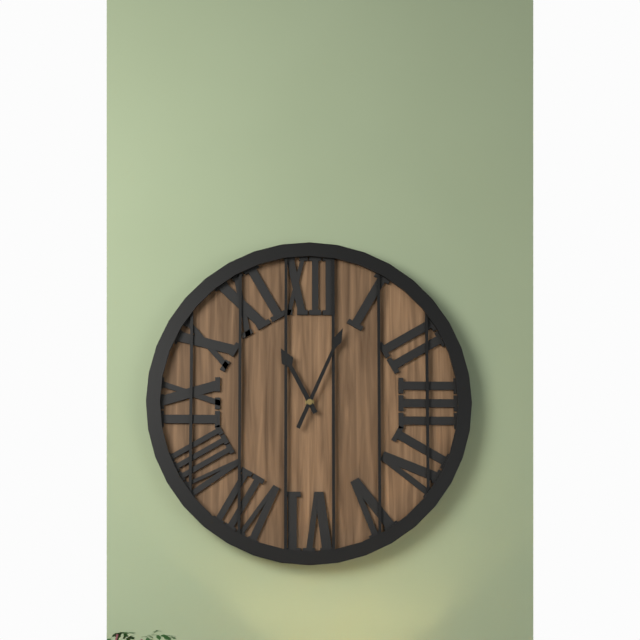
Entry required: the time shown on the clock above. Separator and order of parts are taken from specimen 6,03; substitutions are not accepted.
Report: 11,04
